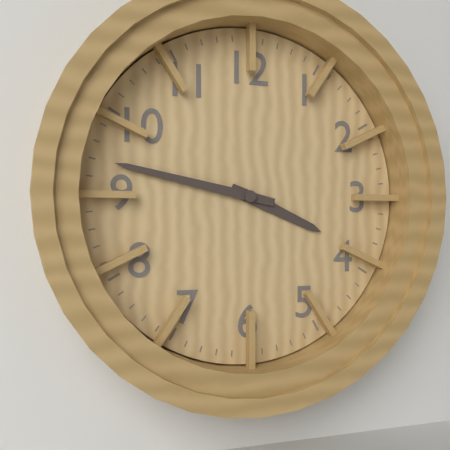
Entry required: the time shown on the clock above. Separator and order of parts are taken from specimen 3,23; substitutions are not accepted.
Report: 3,47
